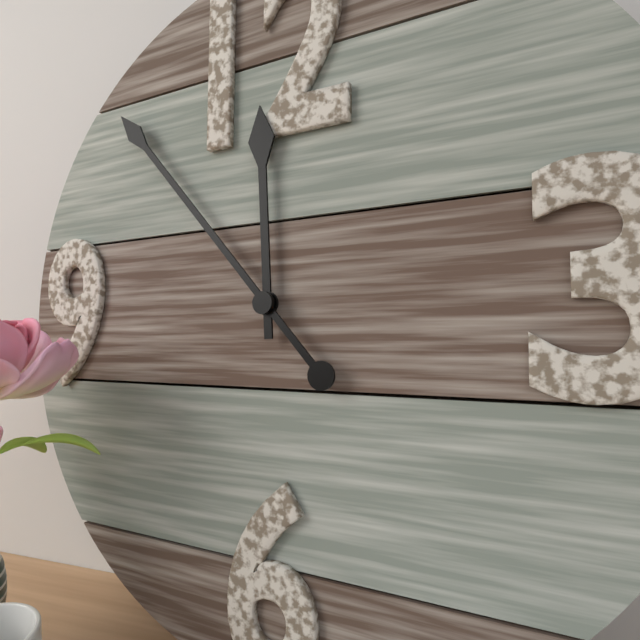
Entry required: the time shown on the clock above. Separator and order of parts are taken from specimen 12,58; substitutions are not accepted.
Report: 11,53
